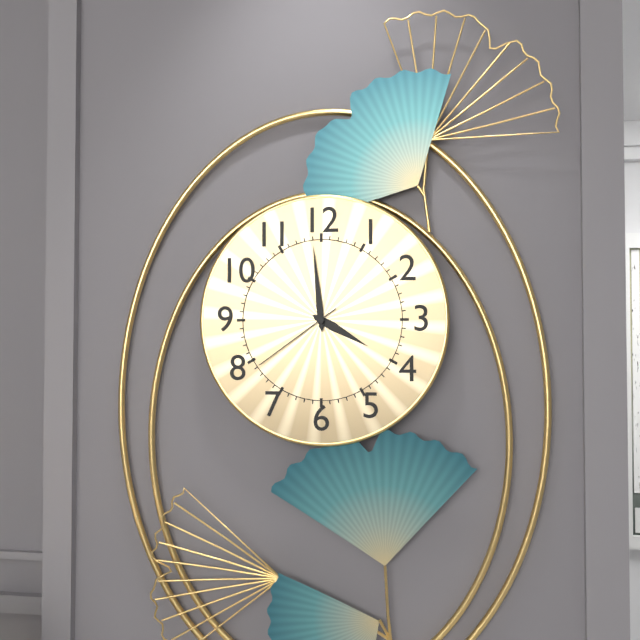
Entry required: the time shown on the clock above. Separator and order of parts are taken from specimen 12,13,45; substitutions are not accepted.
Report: 3,59,39
